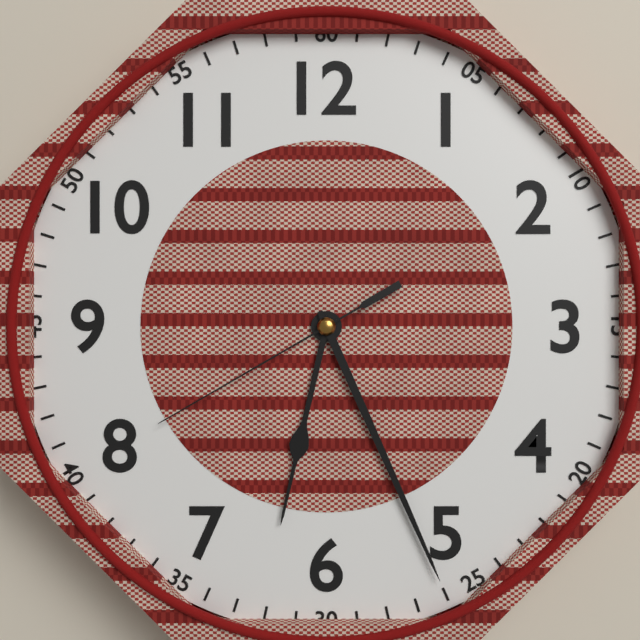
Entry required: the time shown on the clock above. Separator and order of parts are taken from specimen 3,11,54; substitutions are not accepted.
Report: 6,26,40
